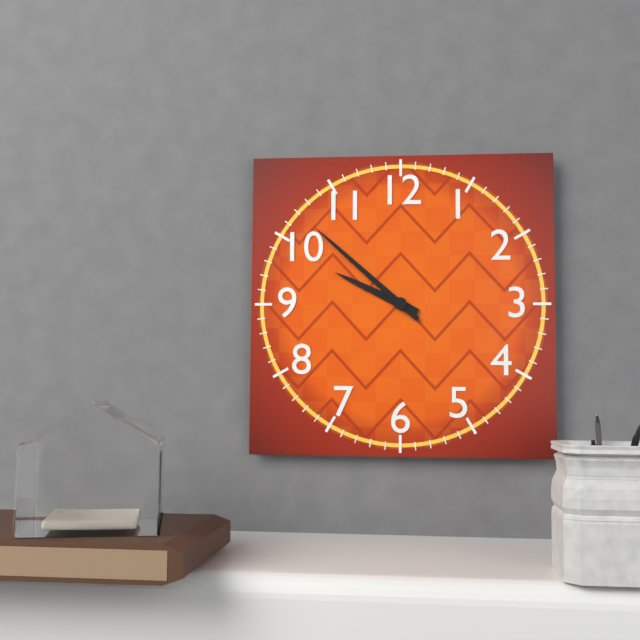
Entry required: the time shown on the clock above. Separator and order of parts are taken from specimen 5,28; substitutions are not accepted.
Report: 9,52
